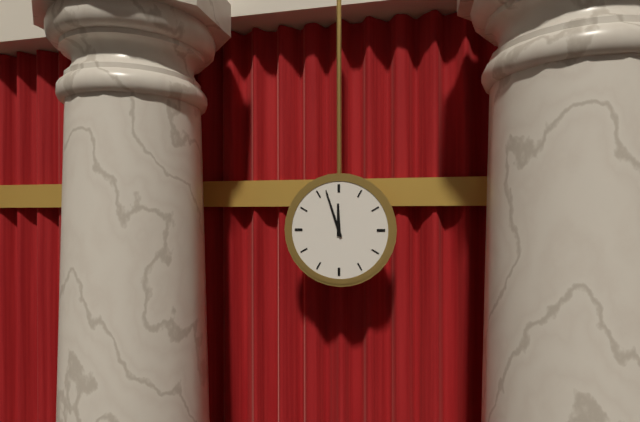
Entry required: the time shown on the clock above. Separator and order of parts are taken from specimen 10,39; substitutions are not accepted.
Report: 11,57
